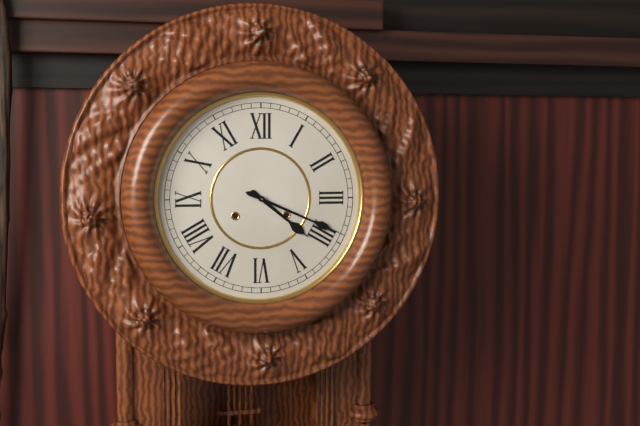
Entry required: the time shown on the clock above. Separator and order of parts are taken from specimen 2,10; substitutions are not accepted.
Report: 4,19
